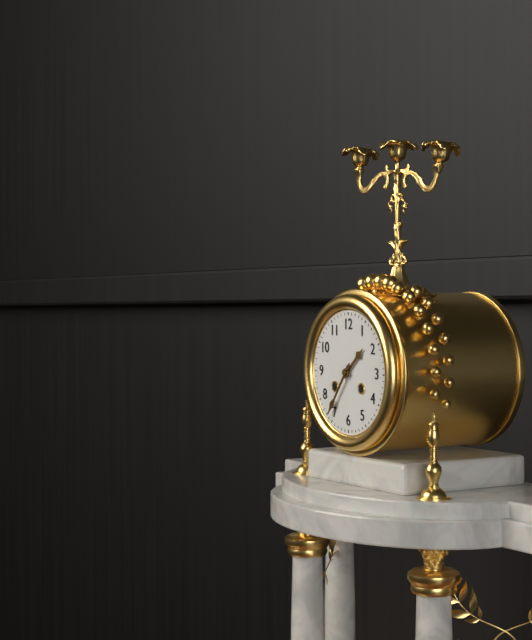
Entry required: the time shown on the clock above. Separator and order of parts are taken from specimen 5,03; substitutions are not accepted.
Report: 1,36
